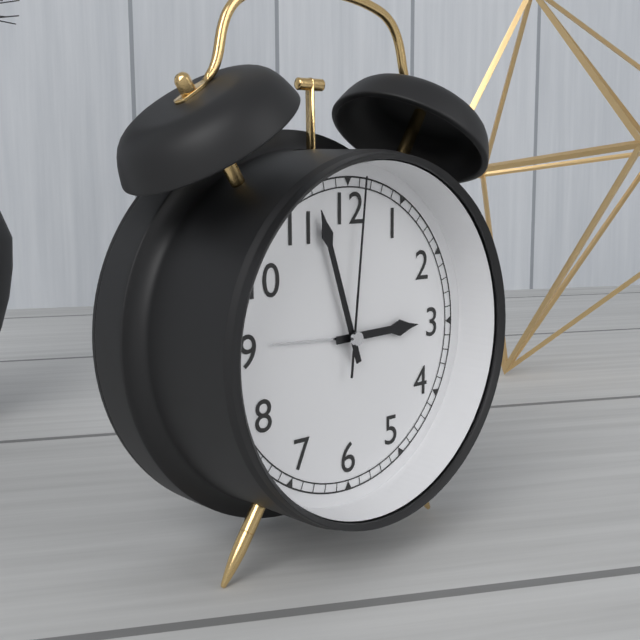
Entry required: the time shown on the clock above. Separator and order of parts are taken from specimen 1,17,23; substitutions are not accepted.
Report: 2,57,01
